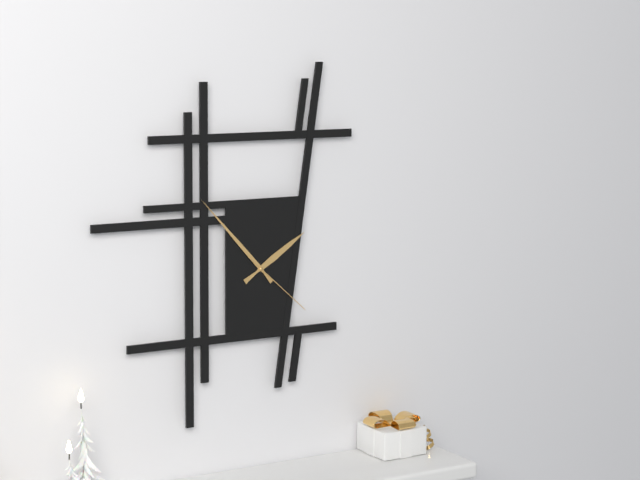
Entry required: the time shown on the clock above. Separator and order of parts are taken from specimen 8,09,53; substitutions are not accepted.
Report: 1,53,22
